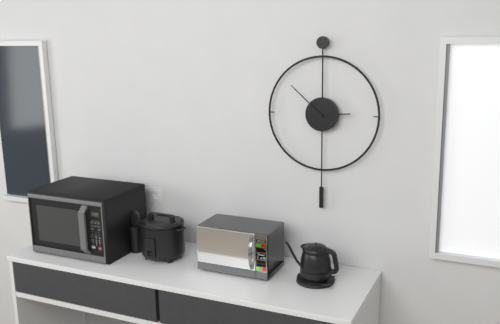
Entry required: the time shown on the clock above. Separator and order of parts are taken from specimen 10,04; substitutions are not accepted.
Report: 2,52
